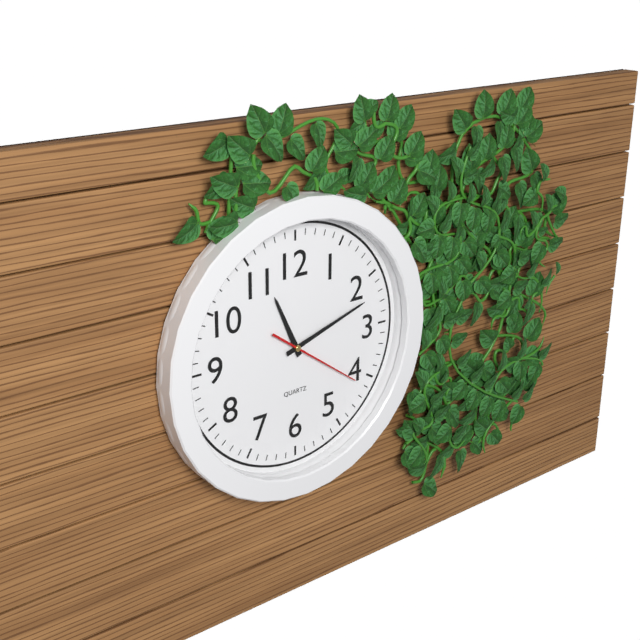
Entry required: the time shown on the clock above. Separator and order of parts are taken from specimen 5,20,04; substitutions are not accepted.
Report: 11,12,21
